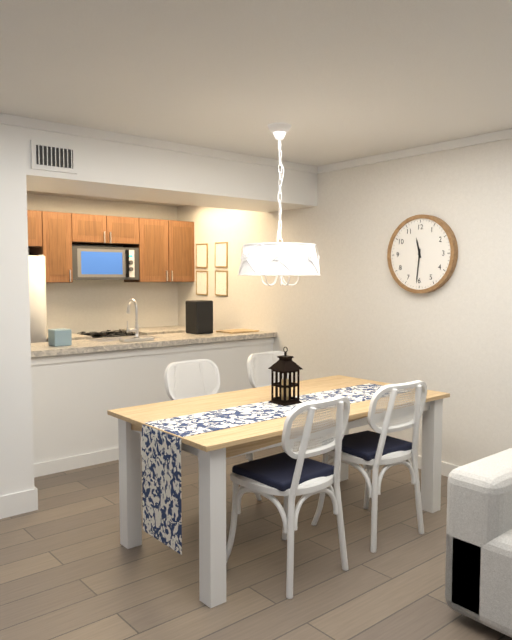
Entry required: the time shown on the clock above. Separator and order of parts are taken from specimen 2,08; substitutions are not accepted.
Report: 11,31
